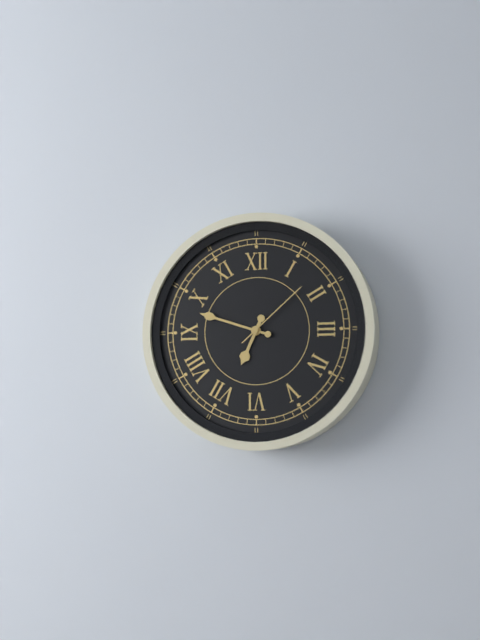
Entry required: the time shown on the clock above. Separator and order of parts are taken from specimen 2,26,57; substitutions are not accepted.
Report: 6,48,08
